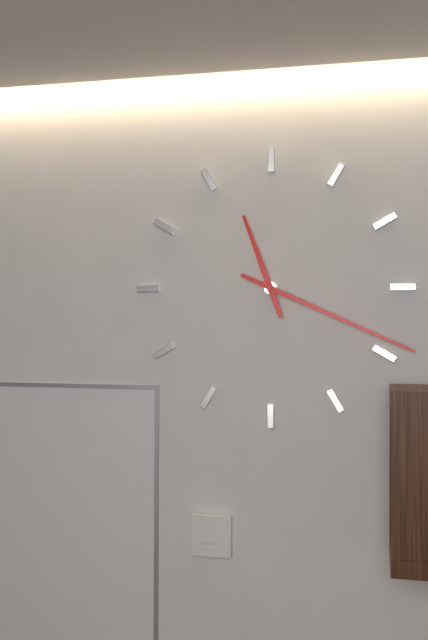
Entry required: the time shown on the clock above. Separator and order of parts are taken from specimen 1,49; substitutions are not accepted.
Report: 11,19
